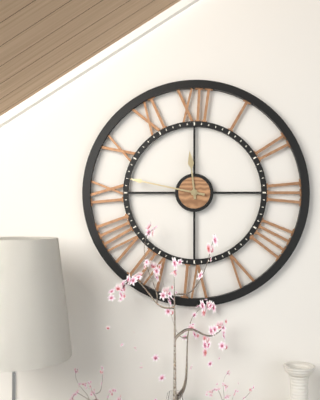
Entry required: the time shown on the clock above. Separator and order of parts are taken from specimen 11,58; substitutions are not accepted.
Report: 11,47
